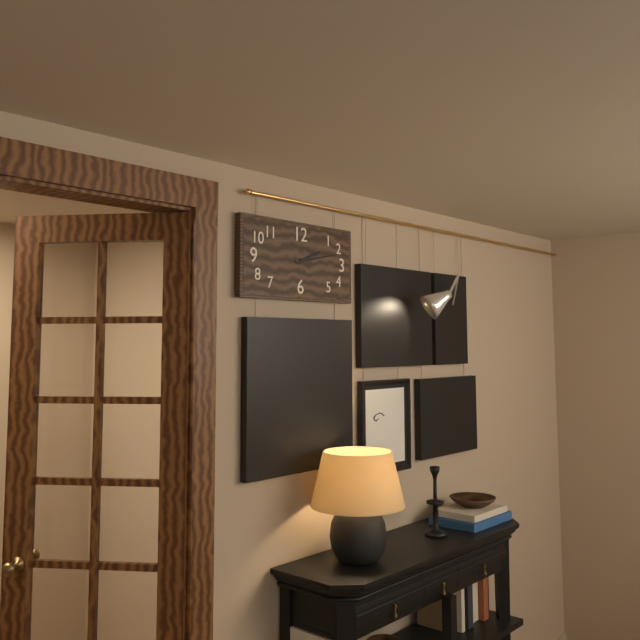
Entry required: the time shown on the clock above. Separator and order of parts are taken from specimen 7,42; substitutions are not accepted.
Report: 2,13
